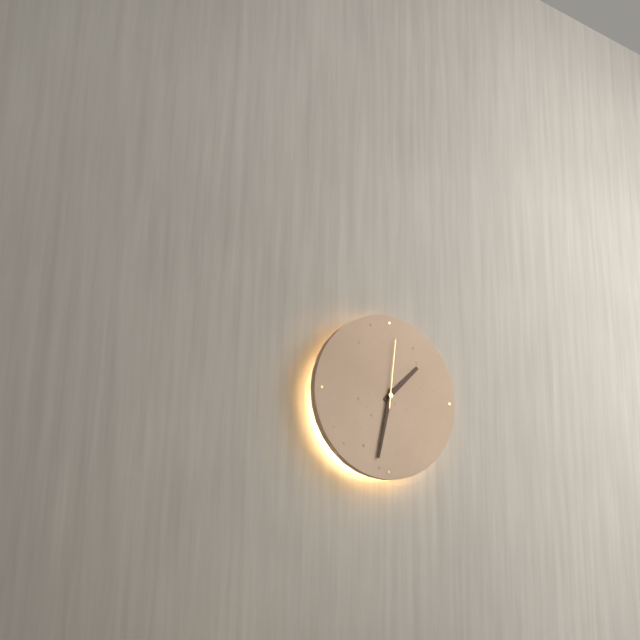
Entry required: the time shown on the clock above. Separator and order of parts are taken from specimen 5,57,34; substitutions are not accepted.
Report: 1,32,01
